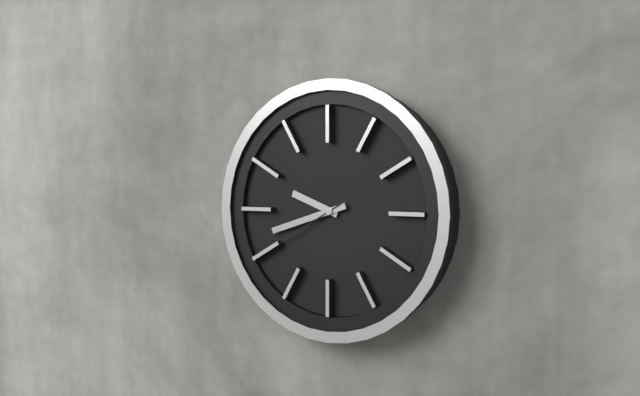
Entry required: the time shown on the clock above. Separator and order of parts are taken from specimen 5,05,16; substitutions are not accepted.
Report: 9,42,40
